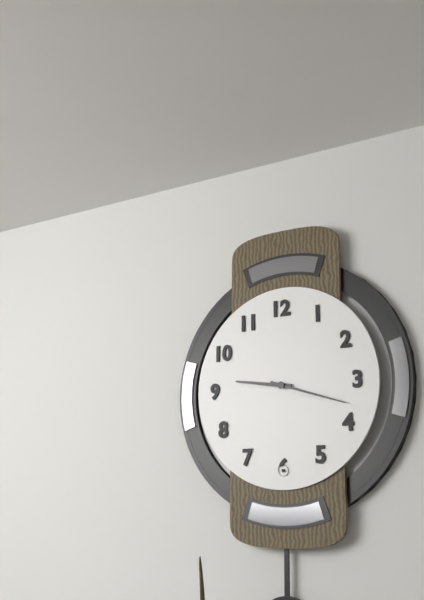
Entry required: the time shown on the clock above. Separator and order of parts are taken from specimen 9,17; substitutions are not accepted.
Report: 9,18
